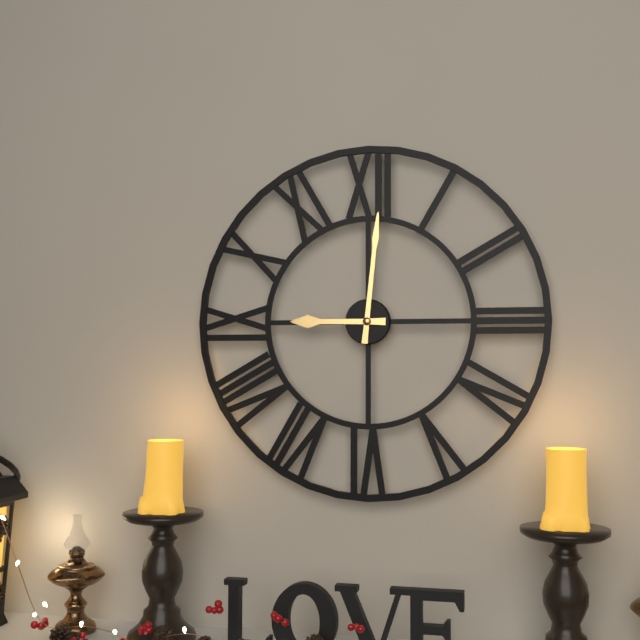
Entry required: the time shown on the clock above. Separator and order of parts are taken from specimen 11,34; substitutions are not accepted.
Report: 9,01
